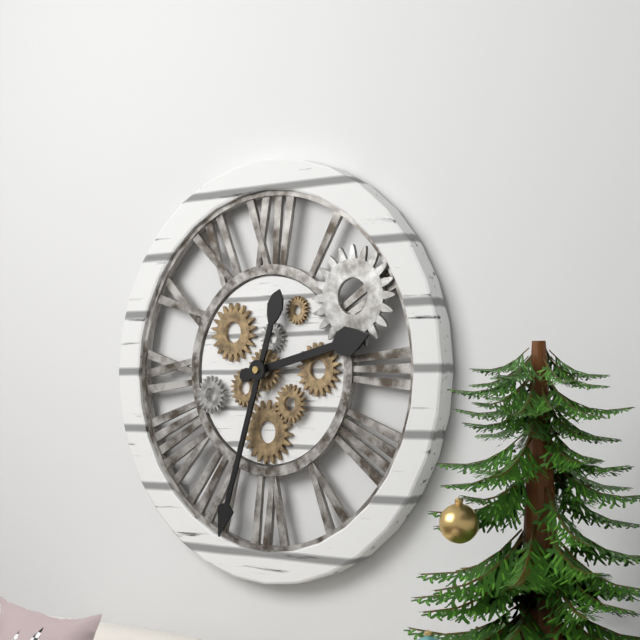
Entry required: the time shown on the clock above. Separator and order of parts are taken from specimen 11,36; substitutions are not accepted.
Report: 2,33
